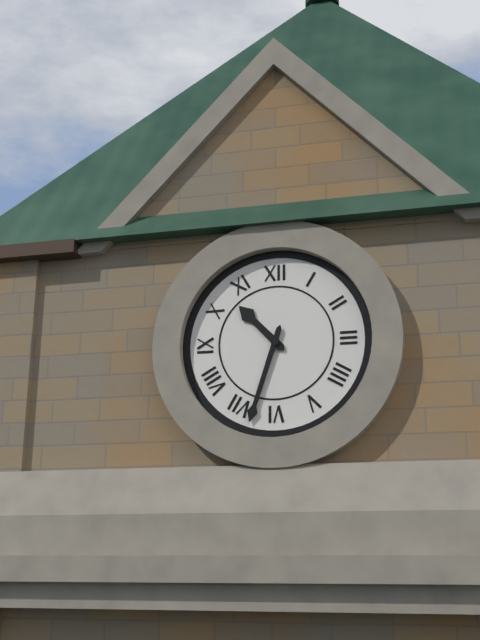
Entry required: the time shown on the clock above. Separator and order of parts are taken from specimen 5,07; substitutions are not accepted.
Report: 10,33
